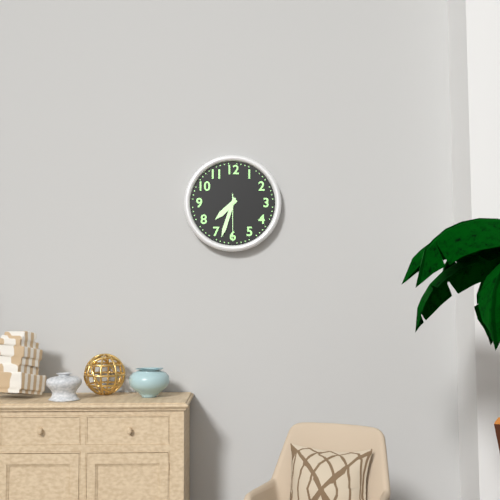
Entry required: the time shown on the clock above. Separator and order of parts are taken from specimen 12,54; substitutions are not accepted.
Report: 7,33
